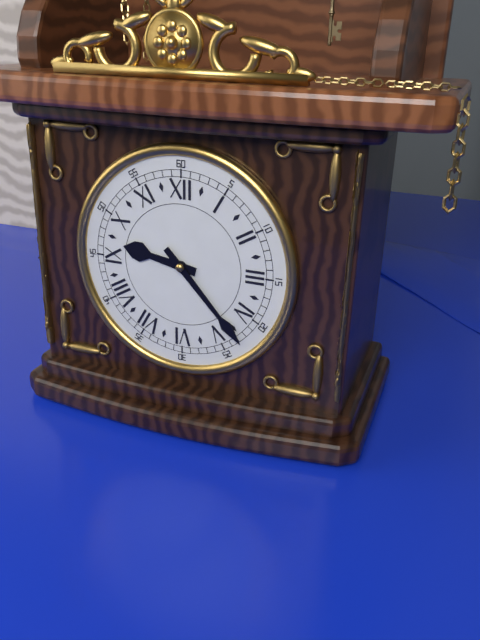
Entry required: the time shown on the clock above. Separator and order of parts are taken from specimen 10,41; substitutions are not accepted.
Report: 9,23
